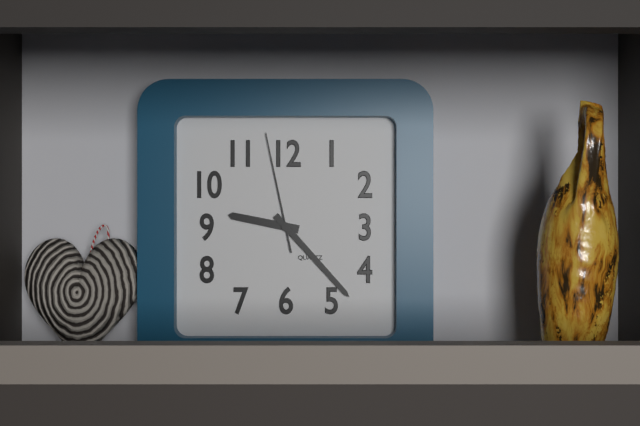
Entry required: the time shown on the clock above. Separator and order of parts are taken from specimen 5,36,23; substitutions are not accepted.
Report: 9,23,58
